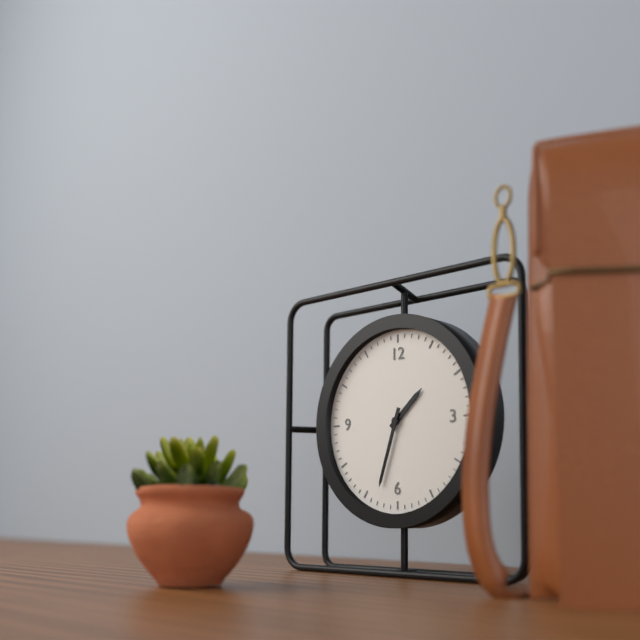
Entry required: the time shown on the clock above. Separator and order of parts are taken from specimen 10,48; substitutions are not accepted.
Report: 1,33
